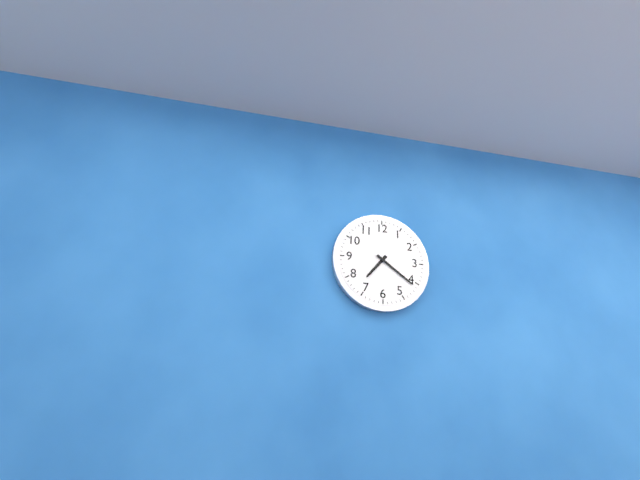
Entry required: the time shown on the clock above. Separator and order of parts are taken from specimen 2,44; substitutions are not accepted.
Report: 7,21
